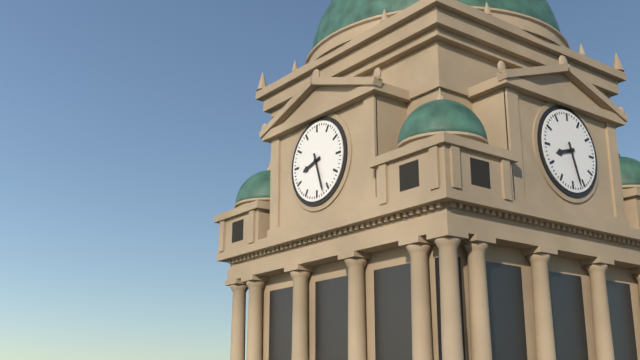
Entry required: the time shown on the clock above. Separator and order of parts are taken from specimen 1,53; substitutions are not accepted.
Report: 8,27
